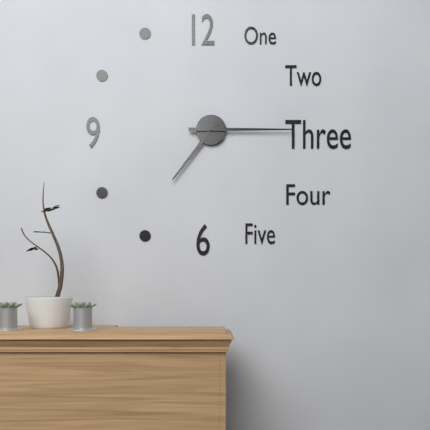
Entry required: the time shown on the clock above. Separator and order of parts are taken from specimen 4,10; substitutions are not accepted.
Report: 7,15
